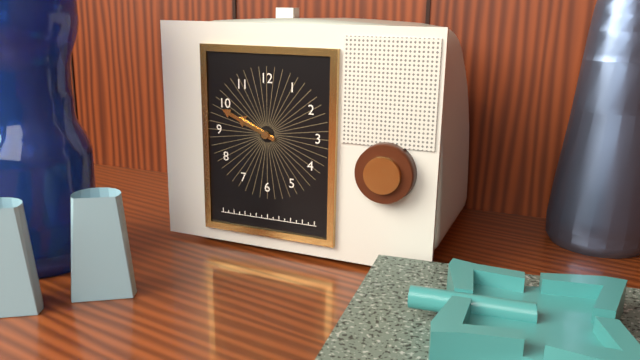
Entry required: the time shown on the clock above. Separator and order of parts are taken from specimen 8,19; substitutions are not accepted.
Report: 9,49
